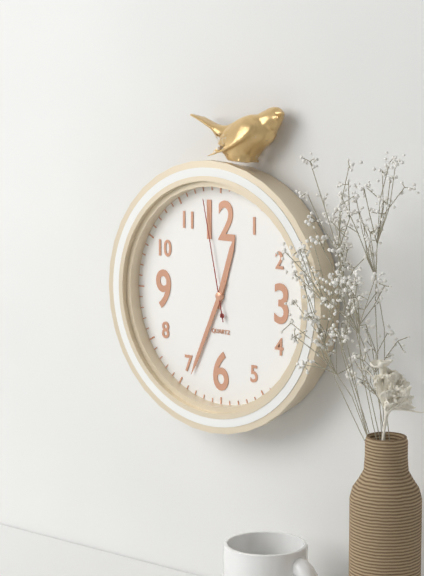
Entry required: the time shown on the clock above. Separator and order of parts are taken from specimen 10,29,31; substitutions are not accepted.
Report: 12,34,58
